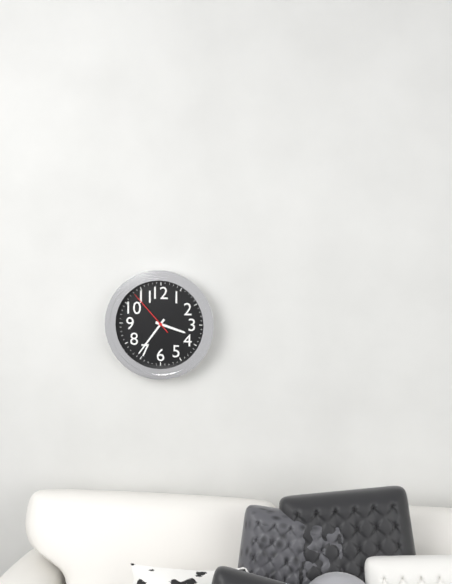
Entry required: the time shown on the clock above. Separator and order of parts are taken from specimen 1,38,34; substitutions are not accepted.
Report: 3,36,53
